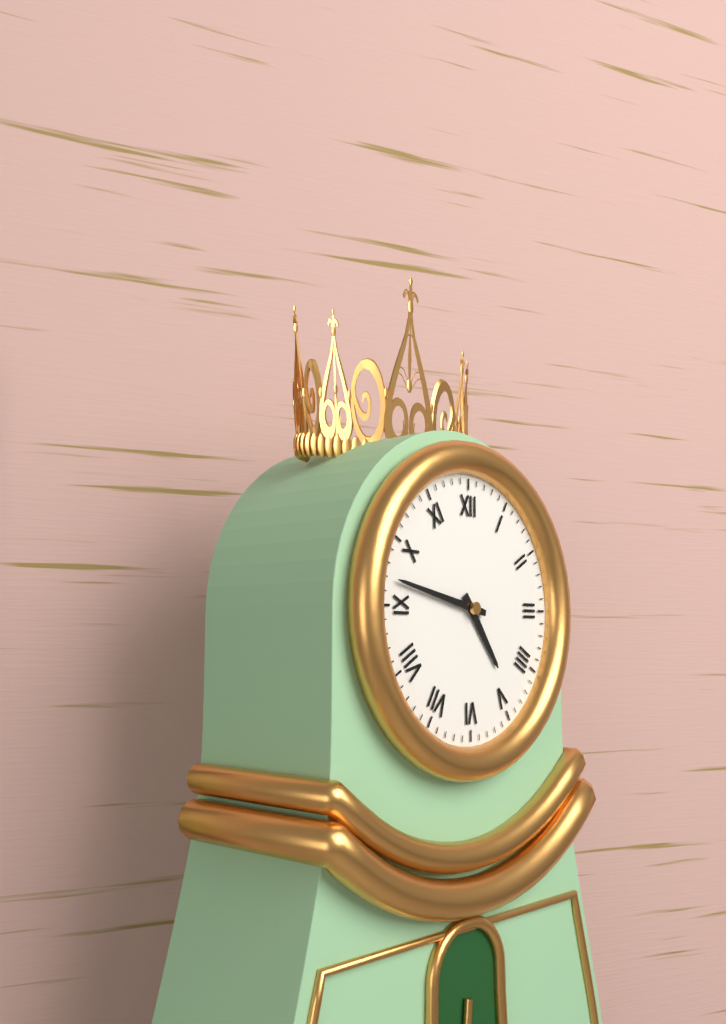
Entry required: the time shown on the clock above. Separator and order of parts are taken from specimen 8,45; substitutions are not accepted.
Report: 4,47
